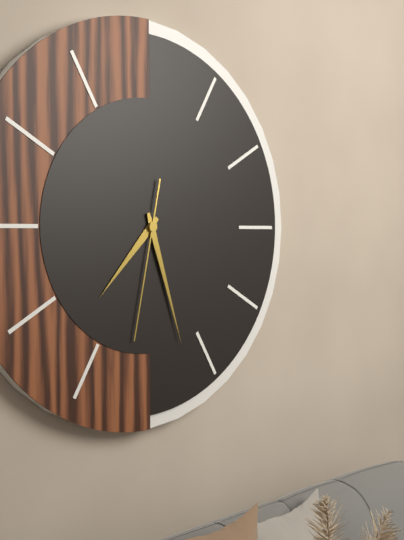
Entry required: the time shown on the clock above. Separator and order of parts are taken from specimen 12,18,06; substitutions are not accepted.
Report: 7,27,32
